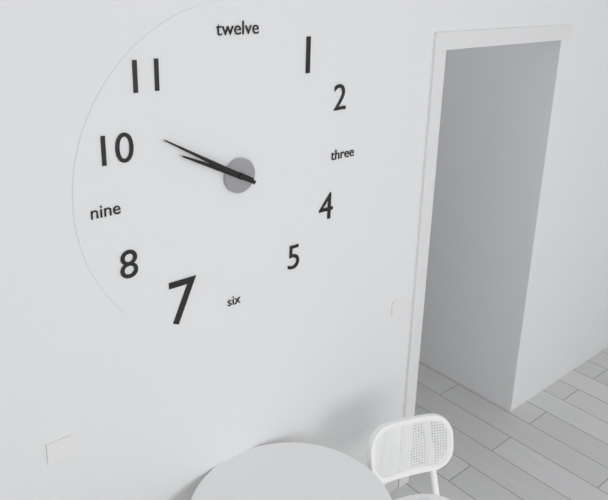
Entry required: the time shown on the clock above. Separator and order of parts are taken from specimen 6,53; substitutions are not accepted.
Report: 9,50
